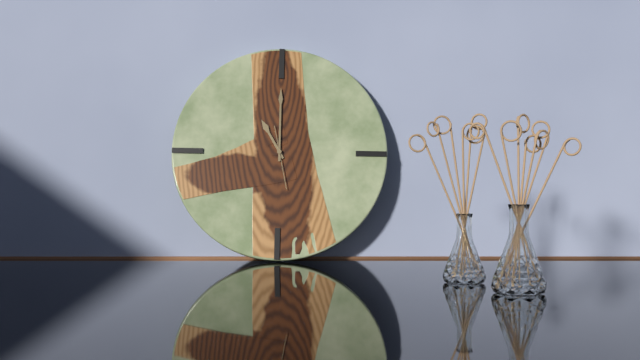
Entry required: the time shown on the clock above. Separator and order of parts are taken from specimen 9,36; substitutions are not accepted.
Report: 11,00
